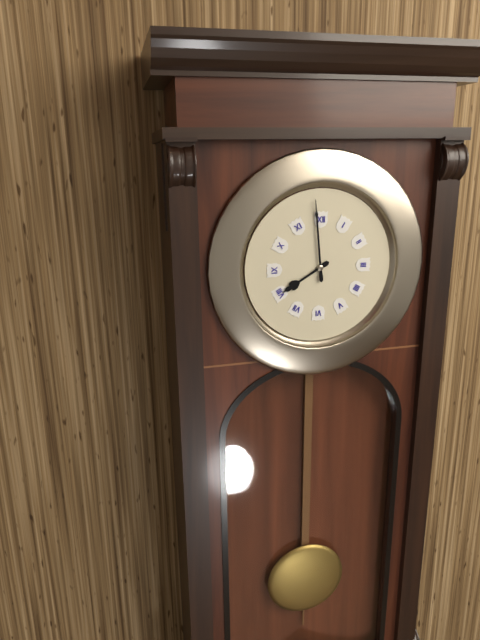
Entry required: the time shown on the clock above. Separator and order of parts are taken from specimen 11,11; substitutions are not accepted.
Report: 7,59
